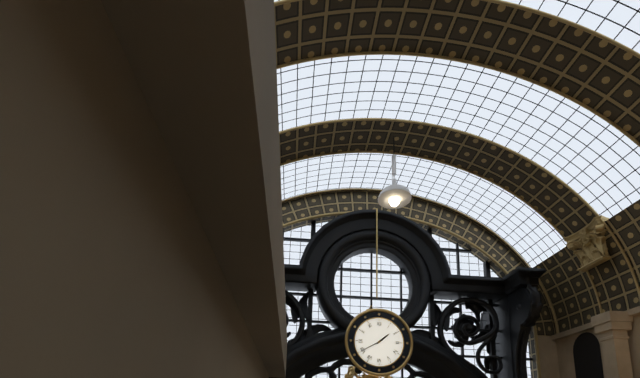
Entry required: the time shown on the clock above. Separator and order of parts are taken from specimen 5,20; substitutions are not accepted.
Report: 1,40
